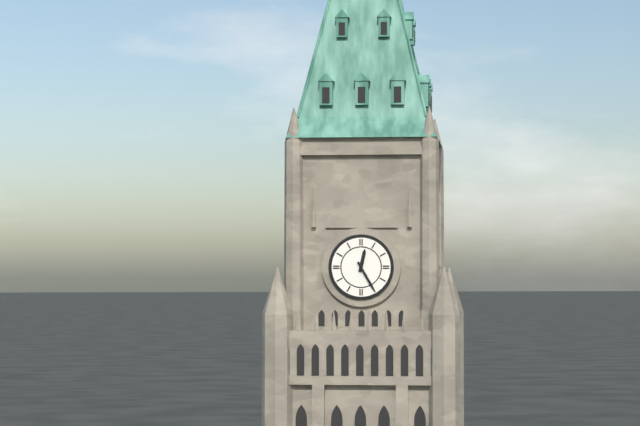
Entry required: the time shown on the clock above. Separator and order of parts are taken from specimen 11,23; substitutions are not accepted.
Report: 12,25
